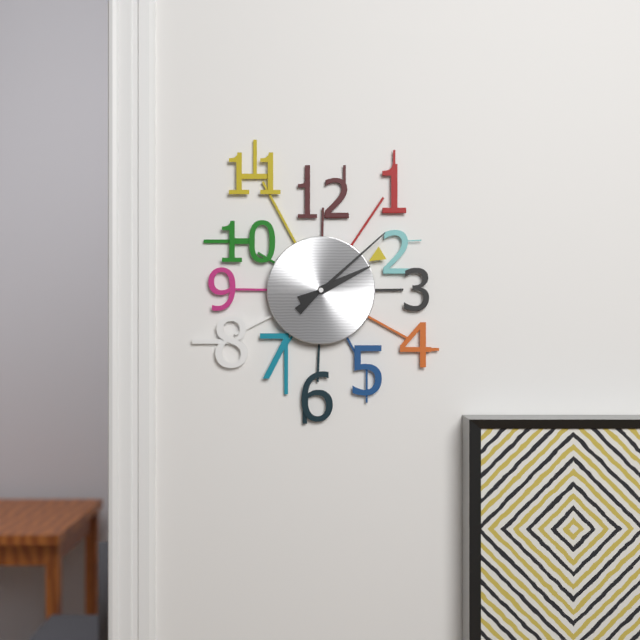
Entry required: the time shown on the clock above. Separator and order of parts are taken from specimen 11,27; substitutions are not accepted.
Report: 2,08
